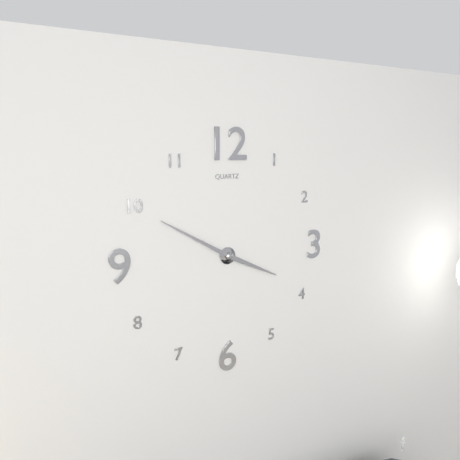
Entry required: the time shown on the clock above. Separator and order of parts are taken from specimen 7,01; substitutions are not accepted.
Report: 3,50
